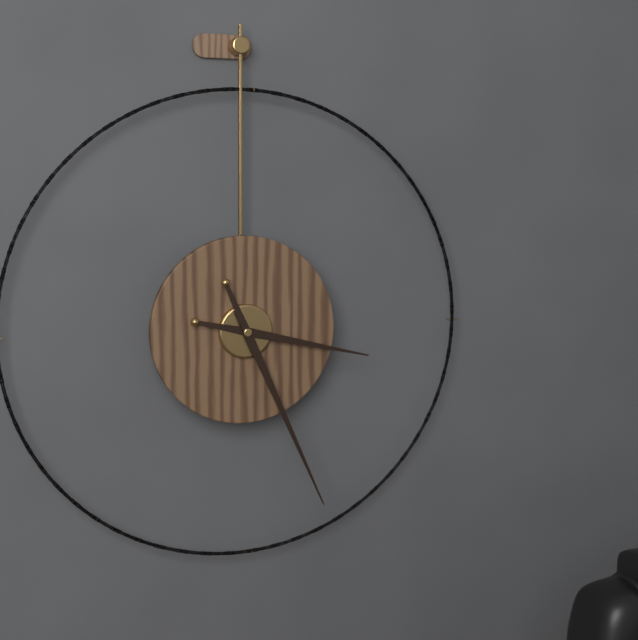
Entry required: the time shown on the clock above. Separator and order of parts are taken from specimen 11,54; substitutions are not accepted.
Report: 3,26
